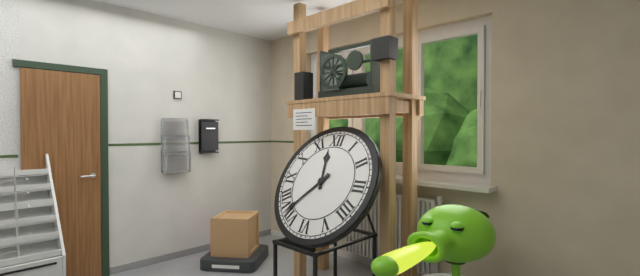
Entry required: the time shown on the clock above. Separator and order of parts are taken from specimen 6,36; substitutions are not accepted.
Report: 11,37
